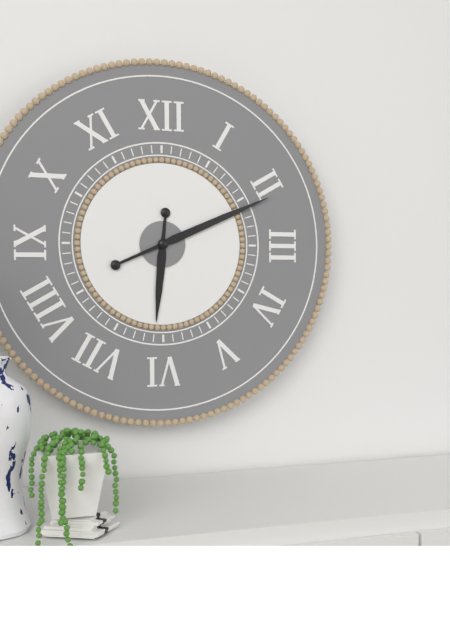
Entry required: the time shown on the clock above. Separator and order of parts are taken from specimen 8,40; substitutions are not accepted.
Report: 6,11
